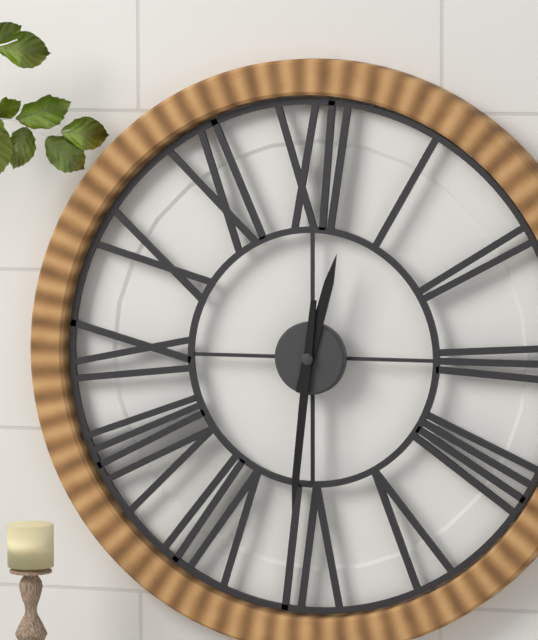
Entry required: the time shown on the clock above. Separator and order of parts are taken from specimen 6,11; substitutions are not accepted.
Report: 12,31
